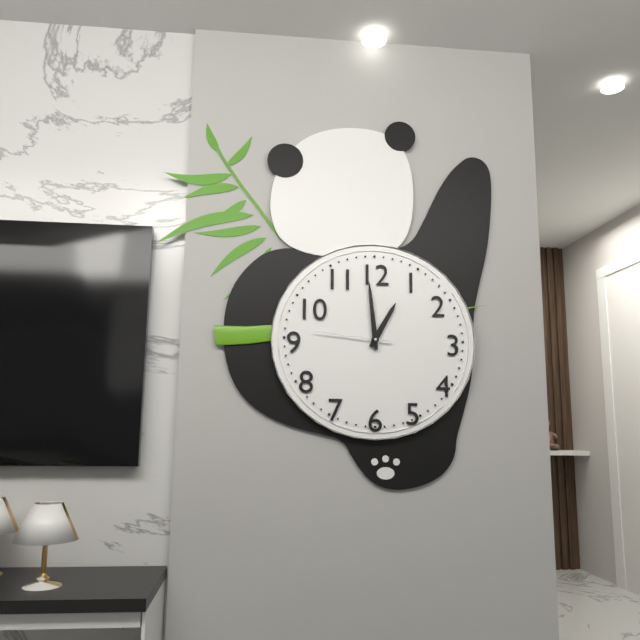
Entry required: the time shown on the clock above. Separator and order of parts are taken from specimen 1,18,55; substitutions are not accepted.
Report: 12,59,46
